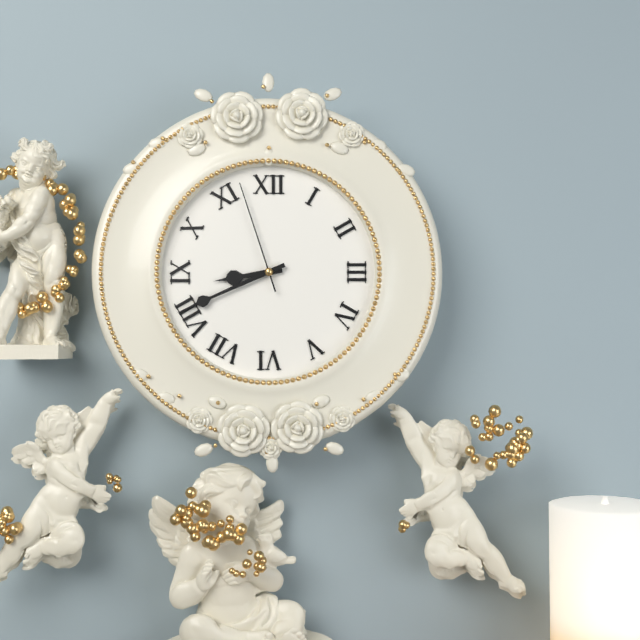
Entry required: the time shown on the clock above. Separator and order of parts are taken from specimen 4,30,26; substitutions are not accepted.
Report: 8,41,57
